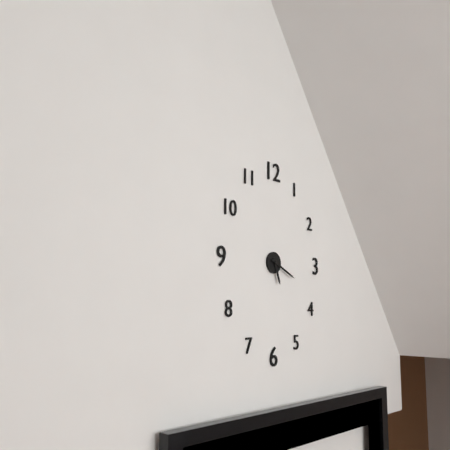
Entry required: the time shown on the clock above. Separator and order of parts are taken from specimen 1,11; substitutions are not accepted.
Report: 5,19
